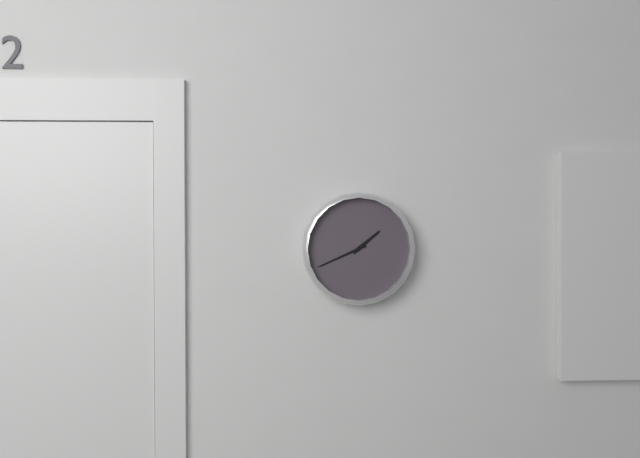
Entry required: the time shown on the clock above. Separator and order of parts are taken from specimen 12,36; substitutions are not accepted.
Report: 1,41
